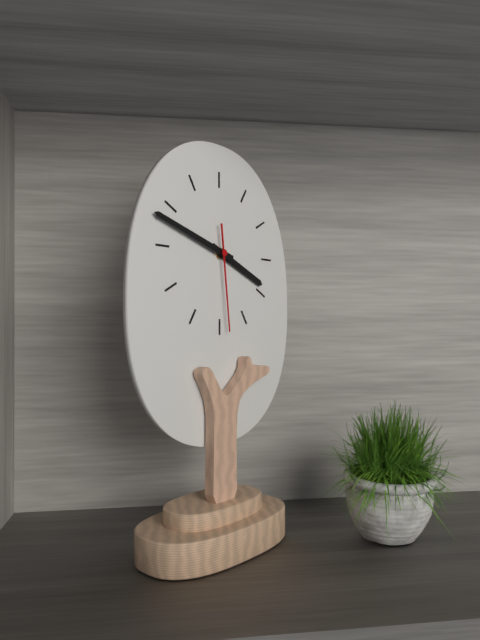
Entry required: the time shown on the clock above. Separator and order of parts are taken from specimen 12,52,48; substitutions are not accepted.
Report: 3,48,29
